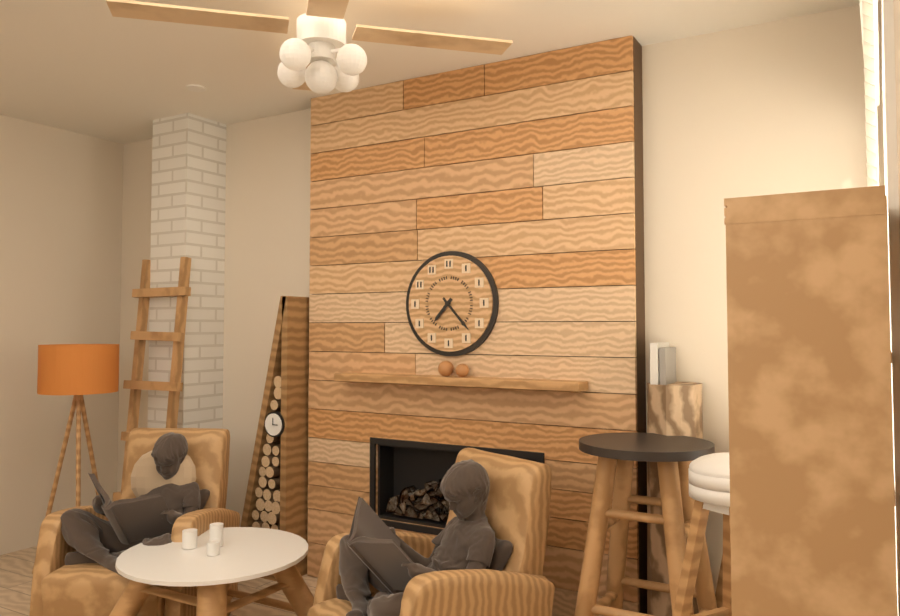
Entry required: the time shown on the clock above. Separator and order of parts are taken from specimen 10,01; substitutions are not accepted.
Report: 7,23
